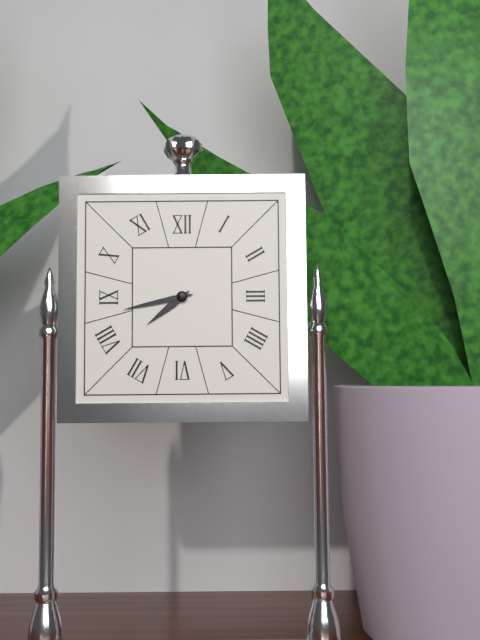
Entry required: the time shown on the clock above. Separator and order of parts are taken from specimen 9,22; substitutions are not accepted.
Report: 7,43
